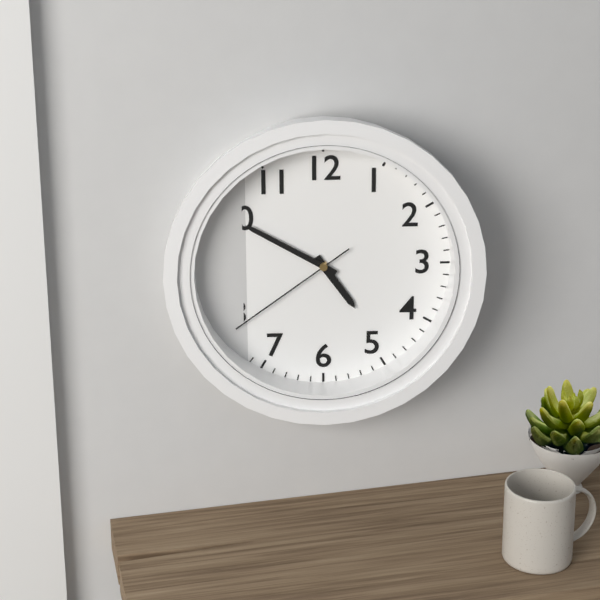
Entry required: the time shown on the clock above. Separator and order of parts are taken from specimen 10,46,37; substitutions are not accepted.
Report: 4,50,39
